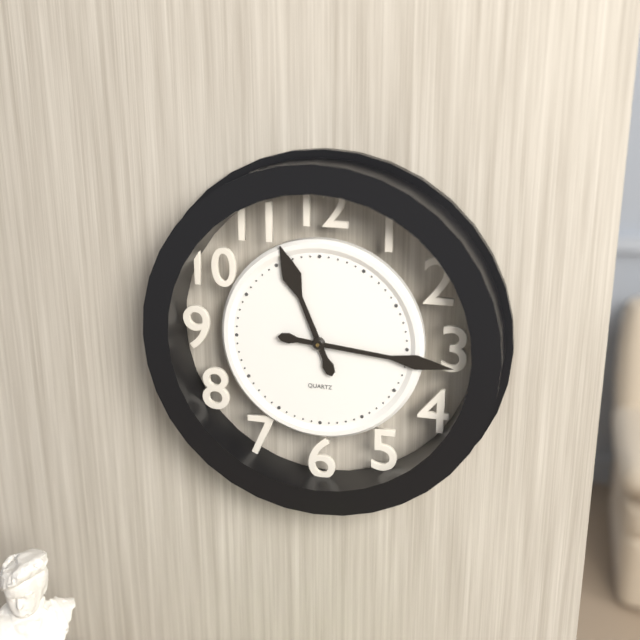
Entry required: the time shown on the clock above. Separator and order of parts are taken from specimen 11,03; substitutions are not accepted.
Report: 11,16
